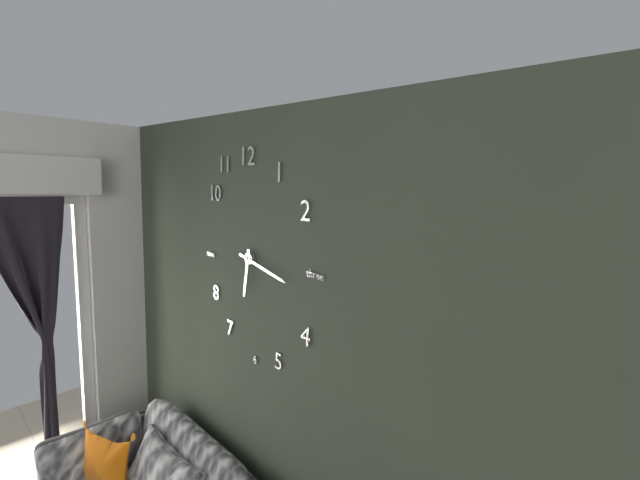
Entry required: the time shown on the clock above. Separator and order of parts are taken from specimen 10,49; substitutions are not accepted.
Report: 6,17
